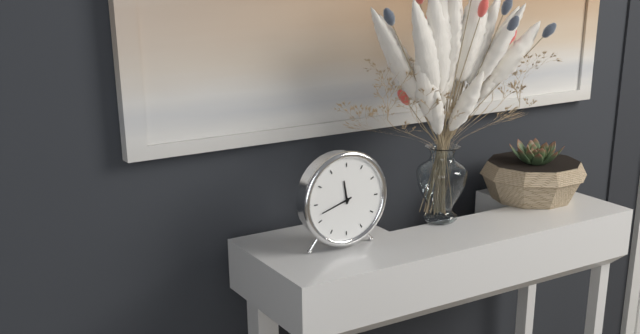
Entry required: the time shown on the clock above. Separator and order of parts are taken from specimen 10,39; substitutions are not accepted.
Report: 11,42
